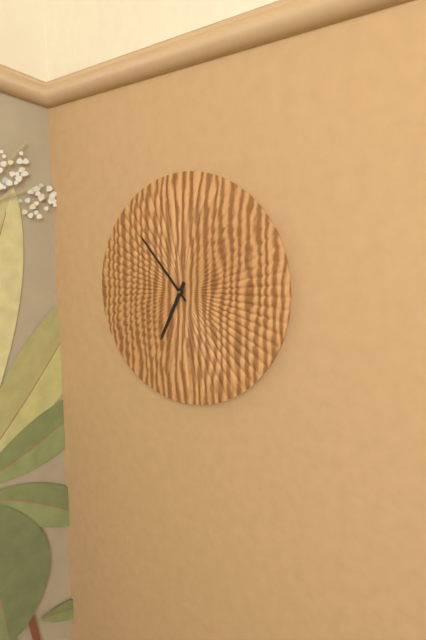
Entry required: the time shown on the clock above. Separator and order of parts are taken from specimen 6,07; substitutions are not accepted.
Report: 6,53
